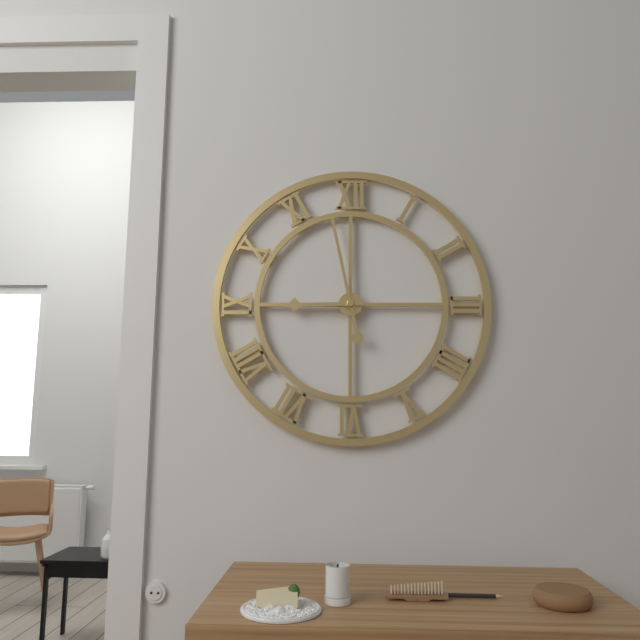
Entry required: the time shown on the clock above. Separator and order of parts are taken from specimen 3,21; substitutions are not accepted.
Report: 8,58
